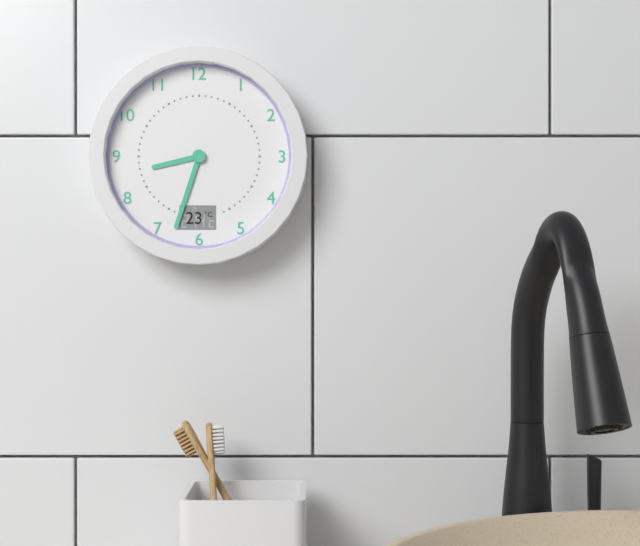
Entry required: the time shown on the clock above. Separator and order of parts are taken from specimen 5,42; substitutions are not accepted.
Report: 8,33
